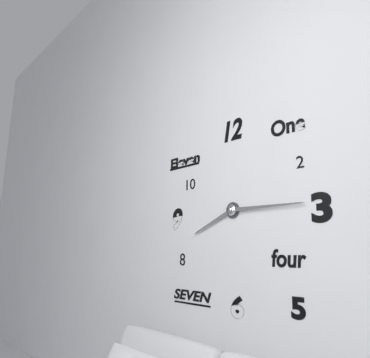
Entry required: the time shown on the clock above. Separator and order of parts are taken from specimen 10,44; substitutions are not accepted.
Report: 8,15
